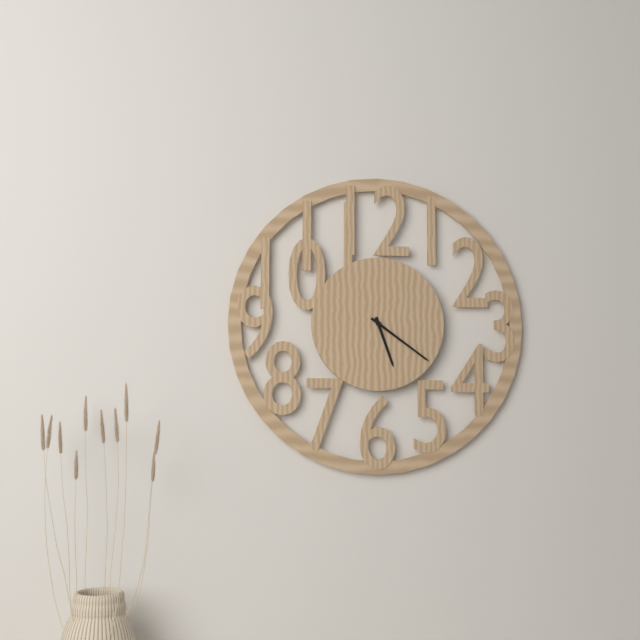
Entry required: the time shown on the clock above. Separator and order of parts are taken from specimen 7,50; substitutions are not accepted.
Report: 5,21
